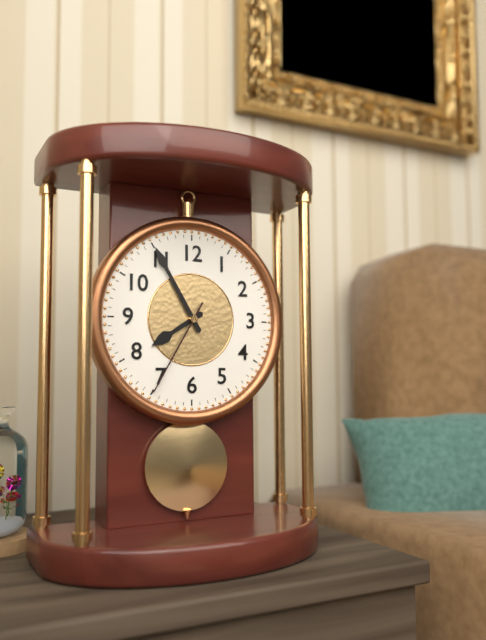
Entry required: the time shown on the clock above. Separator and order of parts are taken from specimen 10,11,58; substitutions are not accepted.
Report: 7,55,35
